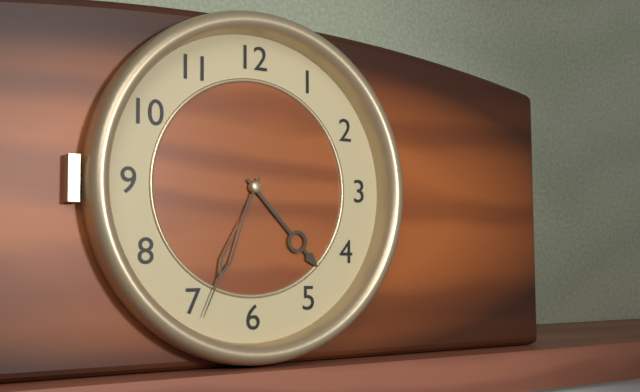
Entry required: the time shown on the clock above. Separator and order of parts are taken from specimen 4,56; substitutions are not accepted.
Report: 4,34
